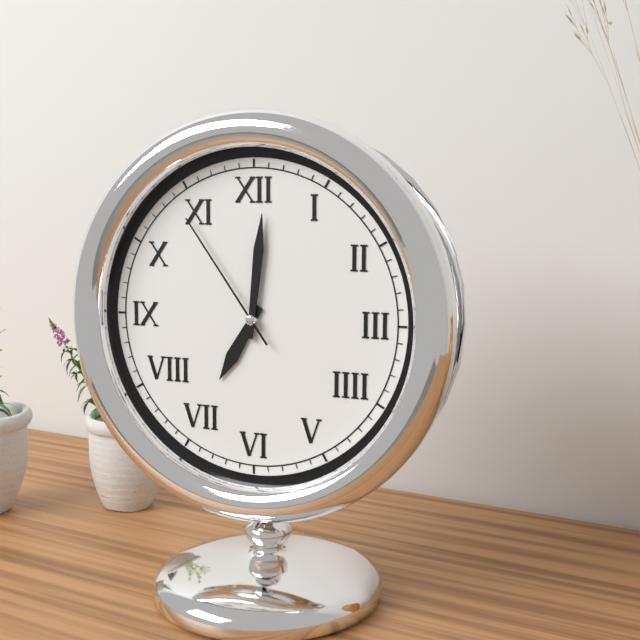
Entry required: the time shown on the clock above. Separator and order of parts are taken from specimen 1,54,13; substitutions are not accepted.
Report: 7,01,54
